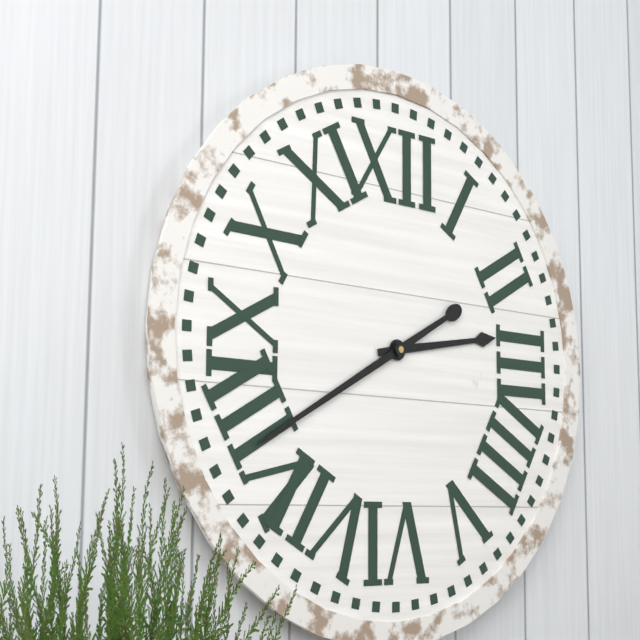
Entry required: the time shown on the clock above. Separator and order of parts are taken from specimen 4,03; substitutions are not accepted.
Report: 2,40
